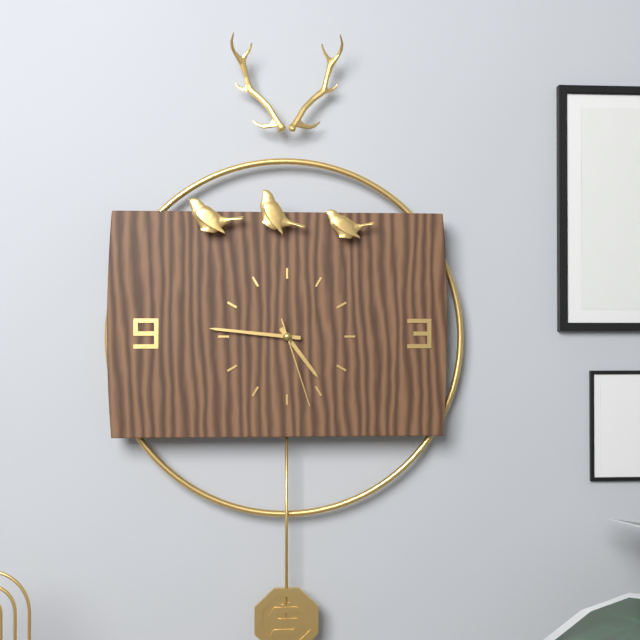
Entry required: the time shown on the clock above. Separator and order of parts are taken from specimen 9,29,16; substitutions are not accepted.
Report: 4,46,27
